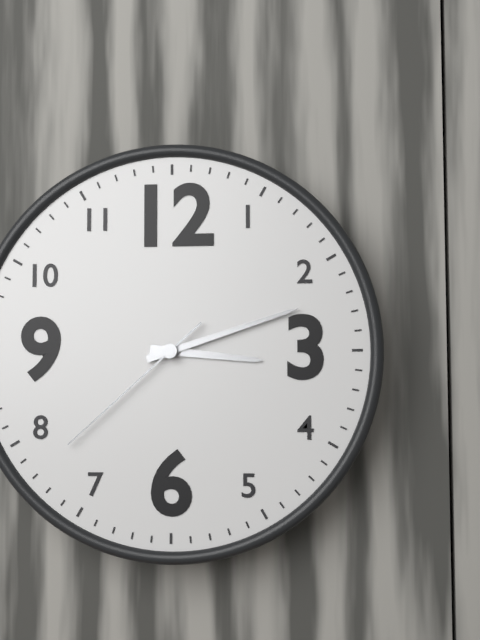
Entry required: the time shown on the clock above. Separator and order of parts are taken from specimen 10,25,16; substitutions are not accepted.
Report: 3,12,38
